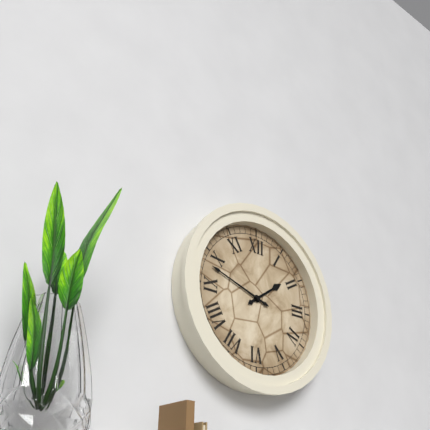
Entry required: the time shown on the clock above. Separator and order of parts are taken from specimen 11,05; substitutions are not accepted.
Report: 1,48
